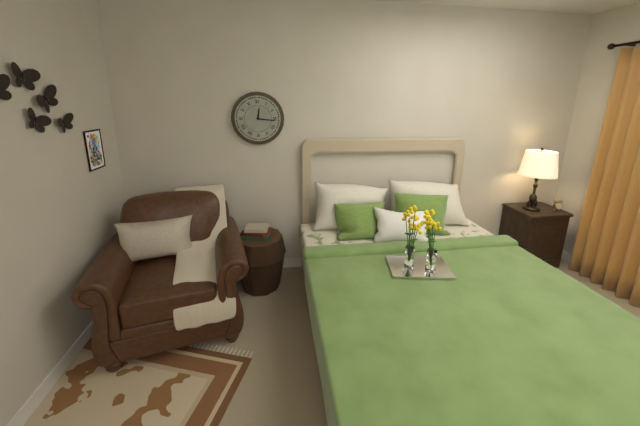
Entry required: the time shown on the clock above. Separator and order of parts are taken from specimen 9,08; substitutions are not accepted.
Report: 12,16
